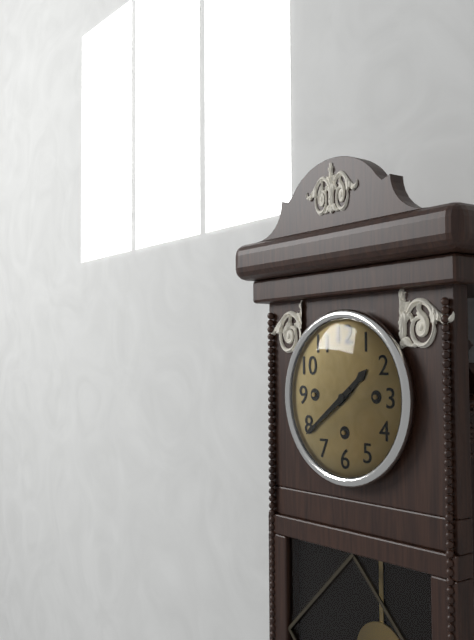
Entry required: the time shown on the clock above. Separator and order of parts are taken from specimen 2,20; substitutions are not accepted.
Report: 1,39
